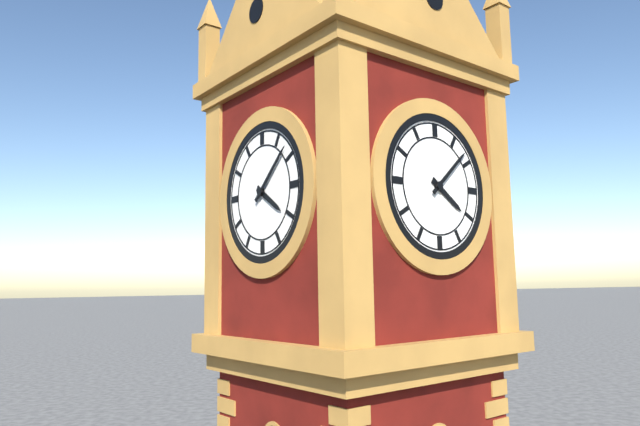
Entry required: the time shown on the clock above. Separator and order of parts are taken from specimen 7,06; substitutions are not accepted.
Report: 4,08
